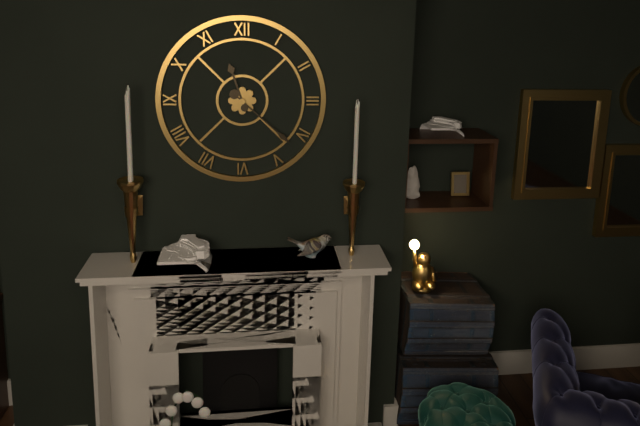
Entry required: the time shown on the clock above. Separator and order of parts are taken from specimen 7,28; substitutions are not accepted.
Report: 11,22
